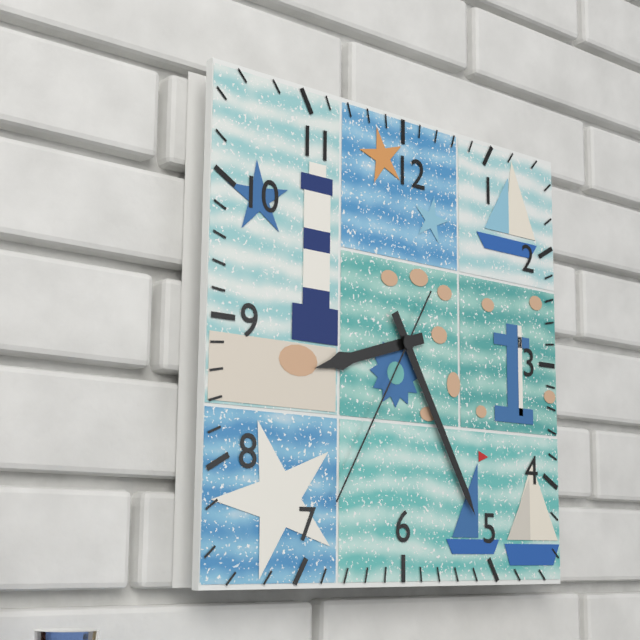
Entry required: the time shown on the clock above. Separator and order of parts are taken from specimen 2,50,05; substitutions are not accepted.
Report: 8,25,35
